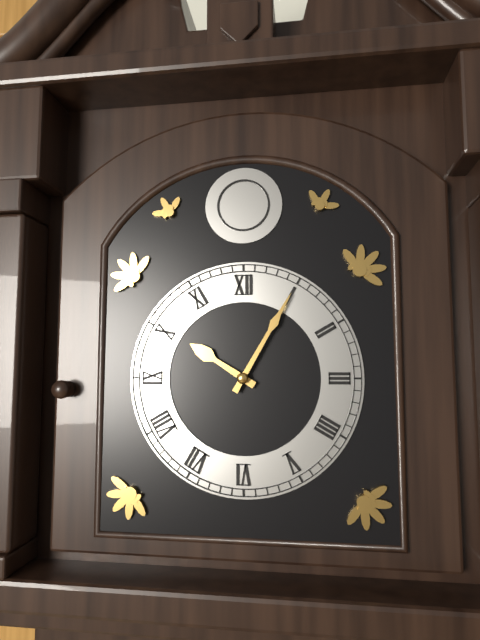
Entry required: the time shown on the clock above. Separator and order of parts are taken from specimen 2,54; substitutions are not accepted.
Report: 10,05
